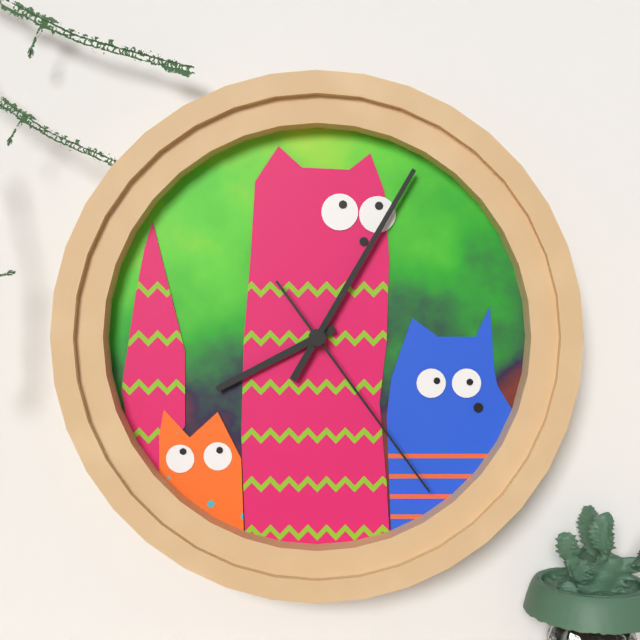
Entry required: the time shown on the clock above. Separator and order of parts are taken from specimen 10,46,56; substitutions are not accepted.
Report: 8,05,24
